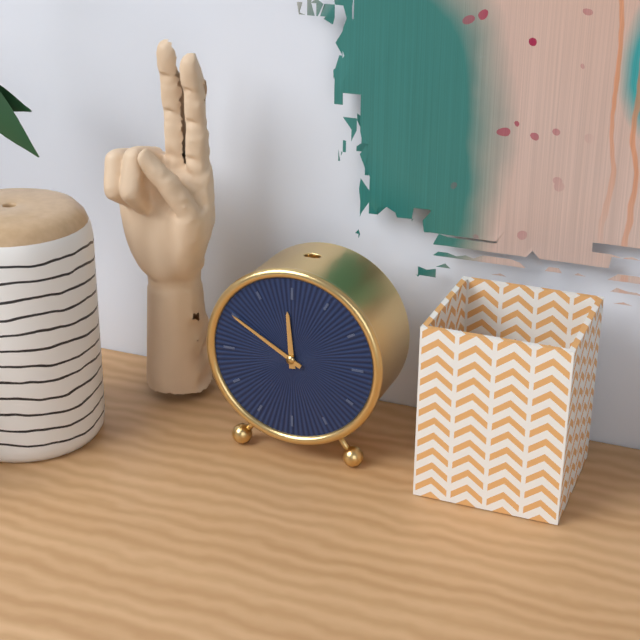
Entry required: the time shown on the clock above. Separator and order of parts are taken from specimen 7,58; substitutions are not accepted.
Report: 11,50
